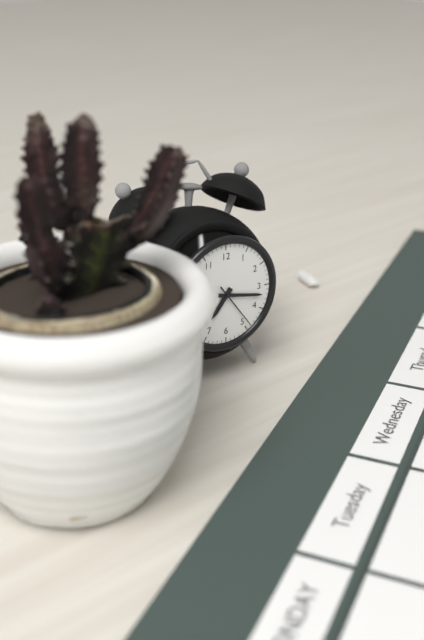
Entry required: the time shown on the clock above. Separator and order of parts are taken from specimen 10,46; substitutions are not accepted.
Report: 7,17
